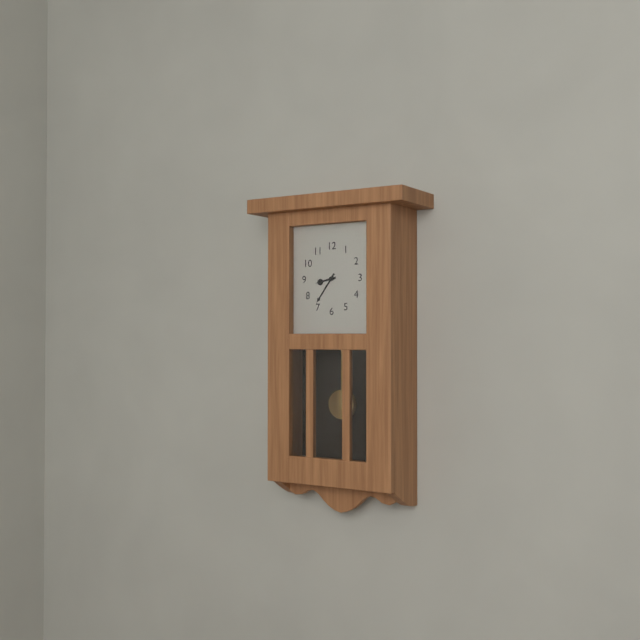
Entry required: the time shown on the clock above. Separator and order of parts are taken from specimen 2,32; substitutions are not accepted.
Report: 8,36
